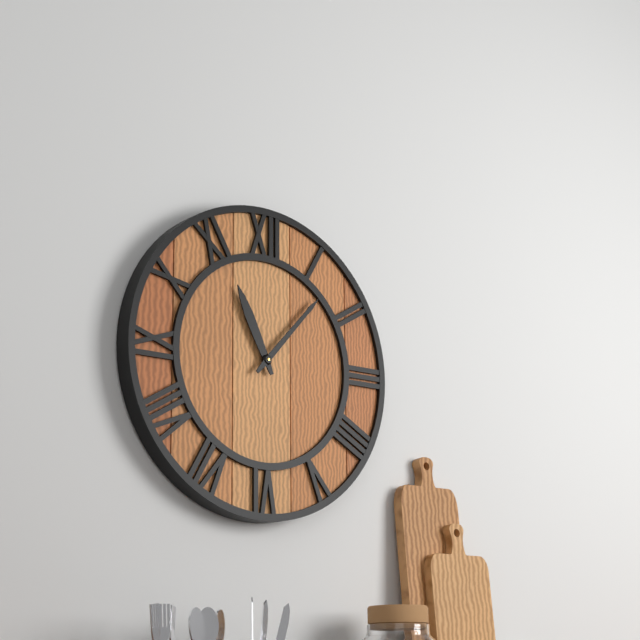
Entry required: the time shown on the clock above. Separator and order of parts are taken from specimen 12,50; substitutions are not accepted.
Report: 11,07
